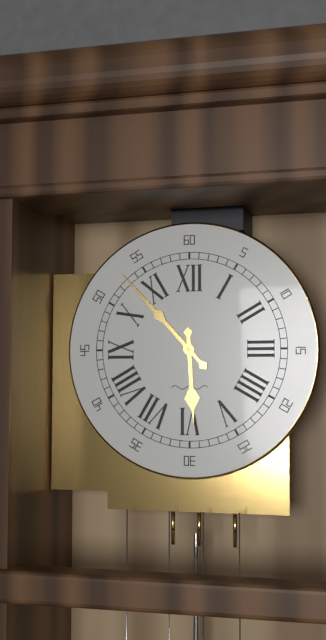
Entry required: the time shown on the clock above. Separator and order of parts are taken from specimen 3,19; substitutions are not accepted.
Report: 5,53
